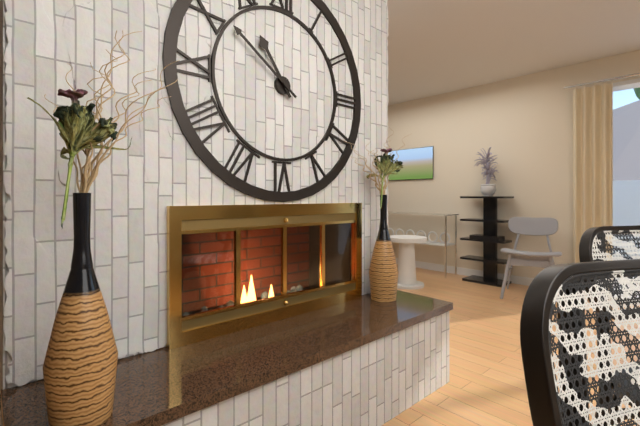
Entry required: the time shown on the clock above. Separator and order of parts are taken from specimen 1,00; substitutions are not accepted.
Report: 10,51
